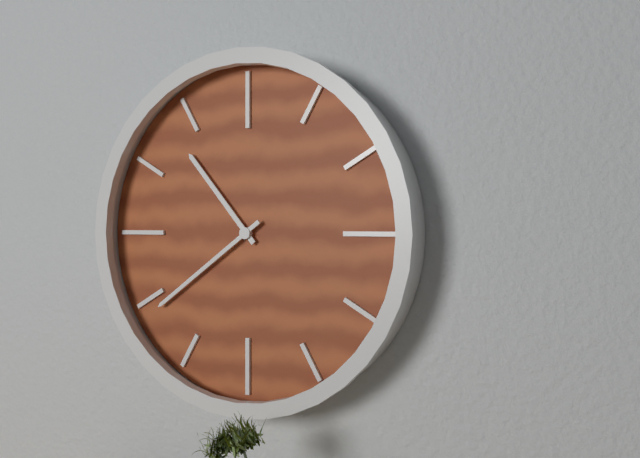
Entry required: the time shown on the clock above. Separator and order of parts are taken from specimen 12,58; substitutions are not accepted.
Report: 10,39
